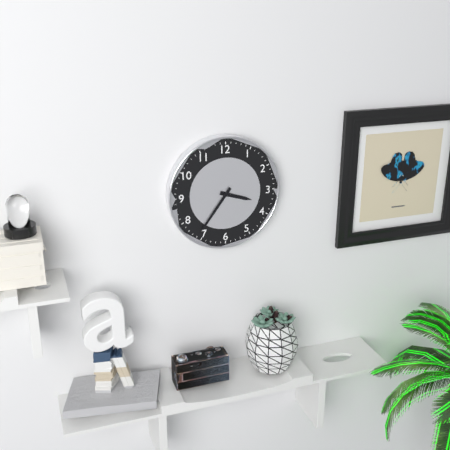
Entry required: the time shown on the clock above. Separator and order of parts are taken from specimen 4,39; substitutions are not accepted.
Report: 3,36
